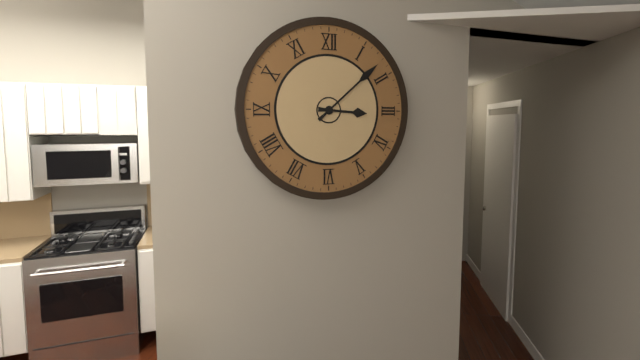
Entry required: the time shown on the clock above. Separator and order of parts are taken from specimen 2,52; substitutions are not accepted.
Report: 3,08
